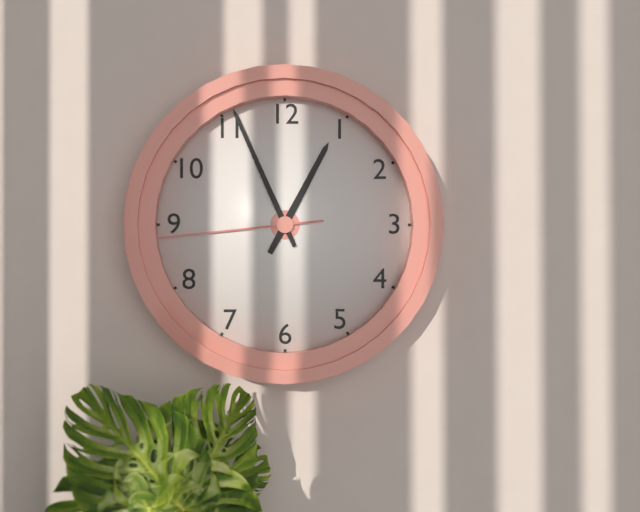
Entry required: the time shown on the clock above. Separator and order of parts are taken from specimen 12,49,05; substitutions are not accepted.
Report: 12,56,44
